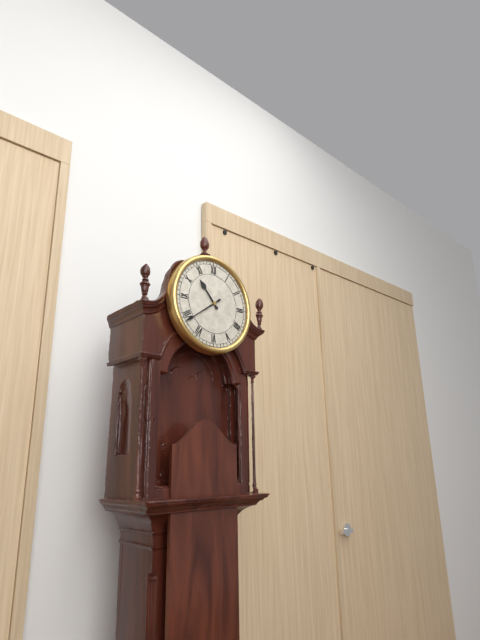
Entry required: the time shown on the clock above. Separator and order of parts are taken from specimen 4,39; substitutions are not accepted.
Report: 10,39
